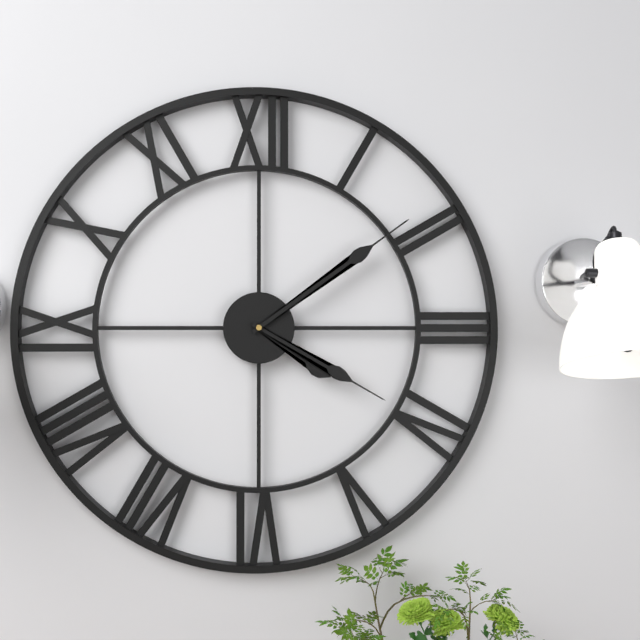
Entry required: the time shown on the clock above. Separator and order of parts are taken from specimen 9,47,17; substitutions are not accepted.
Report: 4,09,20
